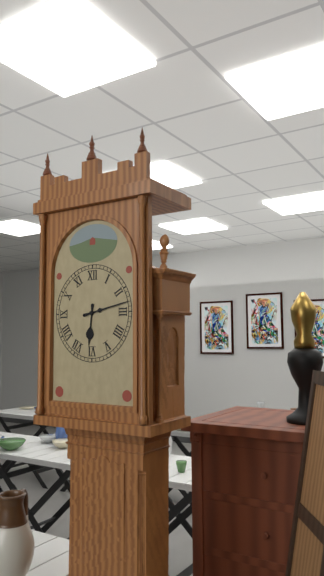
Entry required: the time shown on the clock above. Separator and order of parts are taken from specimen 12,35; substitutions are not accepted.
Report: 6,13
